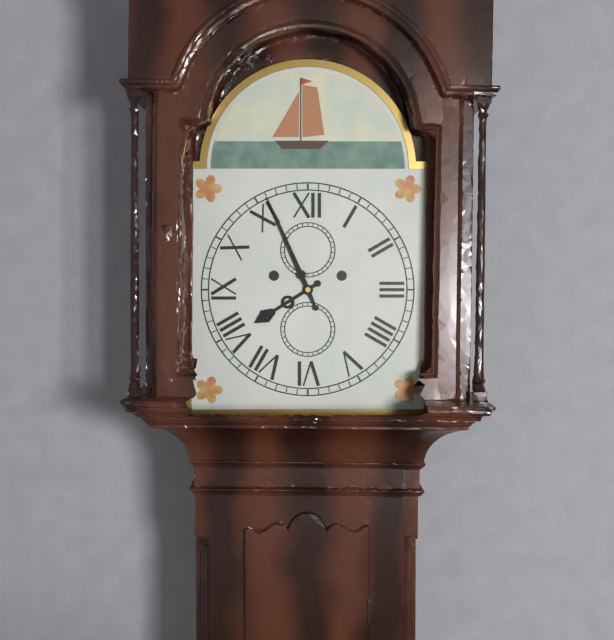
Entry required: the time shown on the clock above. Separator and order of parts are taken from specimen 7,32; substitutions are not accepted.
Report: 7,56
